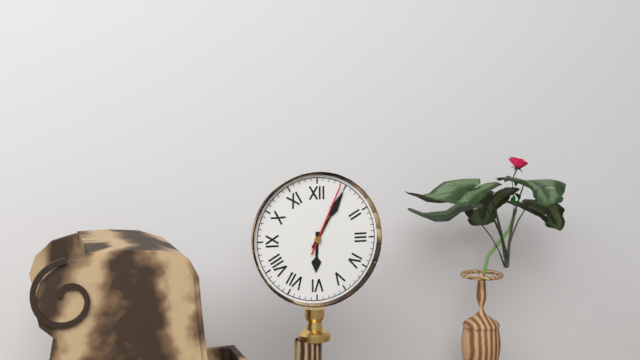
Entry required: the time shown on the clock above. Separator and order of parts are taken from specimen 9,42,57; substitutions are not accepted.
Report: 6,05,04
